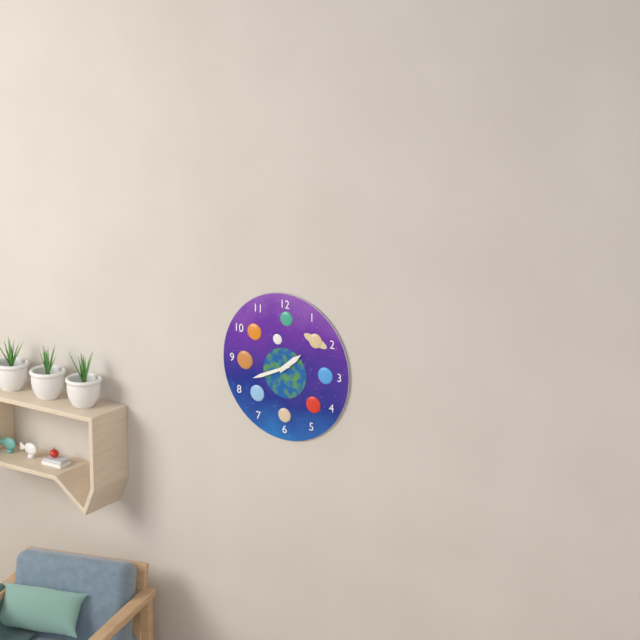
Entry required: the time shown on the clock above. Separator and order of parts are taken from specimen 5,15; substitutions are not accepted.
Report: 1,41
